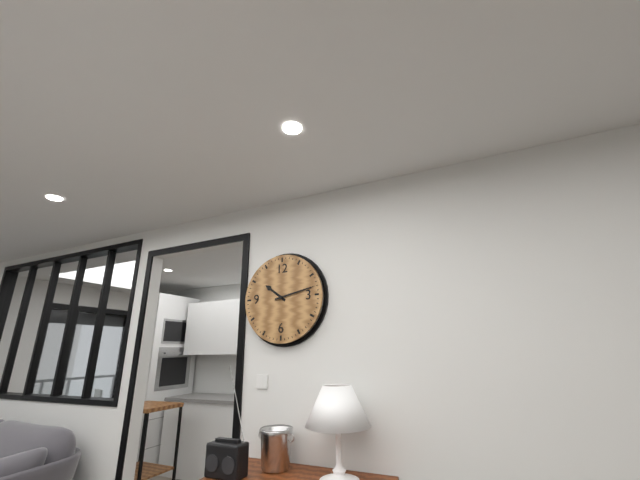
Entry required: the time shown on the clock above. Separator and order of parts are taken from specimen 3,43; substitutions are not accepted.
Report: 10,13
